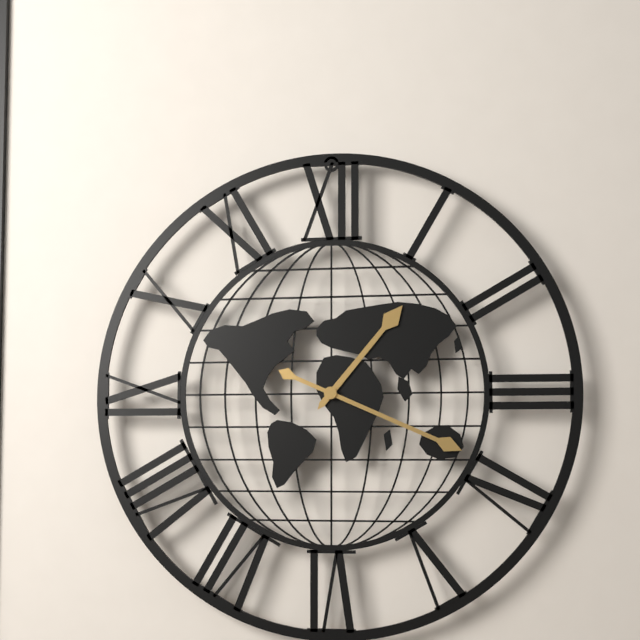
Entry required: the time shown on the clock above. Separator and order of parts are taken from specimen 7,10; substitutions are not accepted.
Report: 1,19
